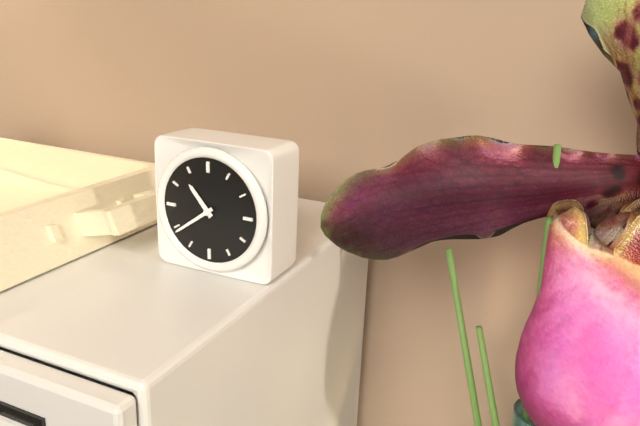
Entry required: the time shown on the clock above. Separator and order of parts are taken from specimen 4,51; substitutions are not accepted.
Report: 10,39
